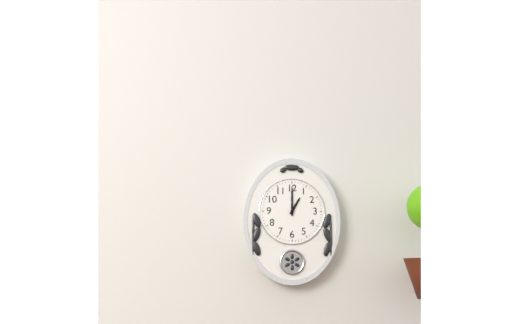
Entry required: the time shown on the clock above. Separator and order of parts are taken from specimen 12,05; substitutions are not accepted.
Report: 1,00
